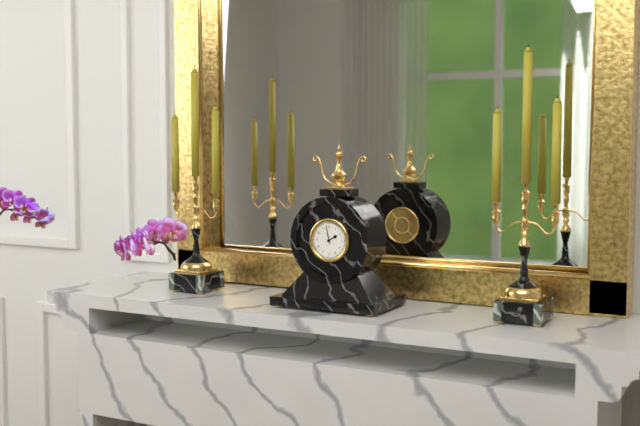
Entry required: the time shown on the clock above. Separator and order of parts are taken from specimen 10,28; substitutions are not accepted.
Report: 1,58
